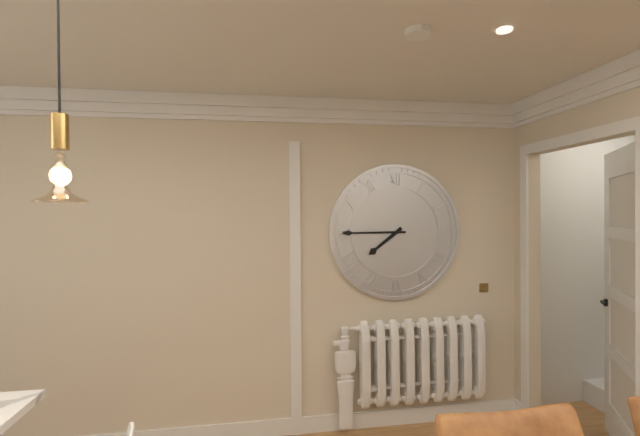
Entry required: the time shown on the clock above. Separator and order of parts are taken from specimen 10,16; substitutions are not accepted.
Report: 7,45
